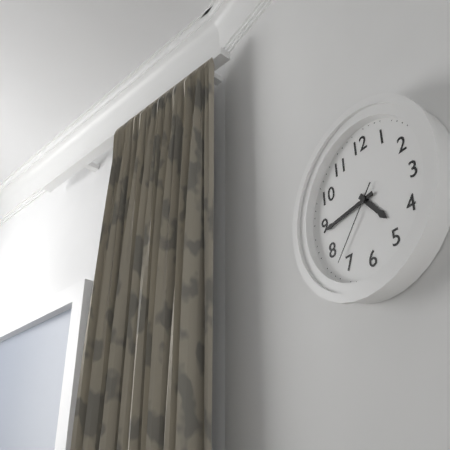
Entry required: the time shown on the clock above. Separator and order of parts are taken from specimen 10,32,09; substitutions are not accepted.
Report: 4,44,37
